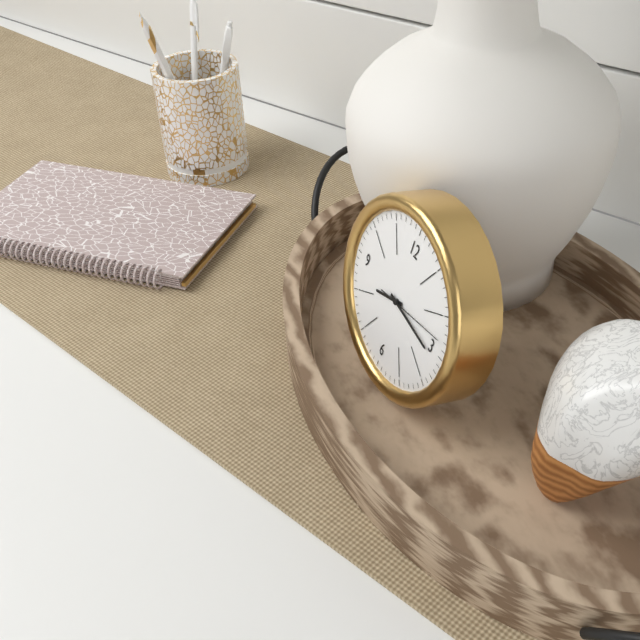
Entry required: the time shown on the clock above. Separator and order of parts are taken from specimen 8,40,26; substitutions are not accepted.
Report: 8,16,13
